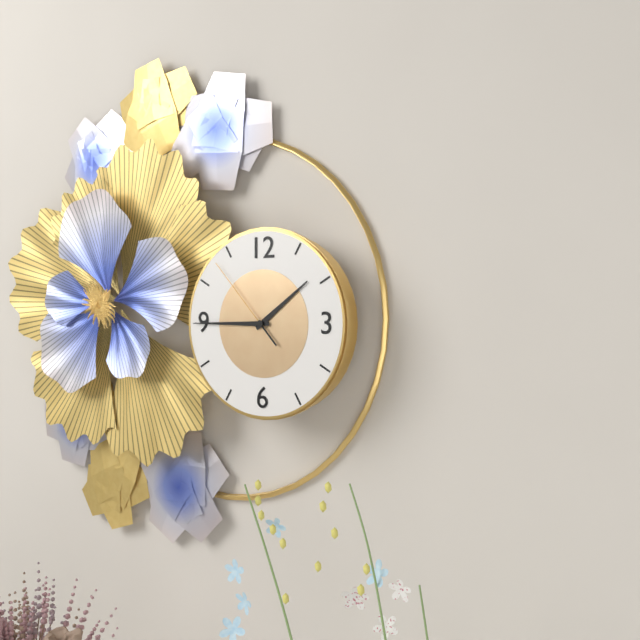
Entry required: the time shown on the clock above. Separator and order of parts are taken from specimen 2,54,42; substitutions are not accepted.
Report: 1,45,53
